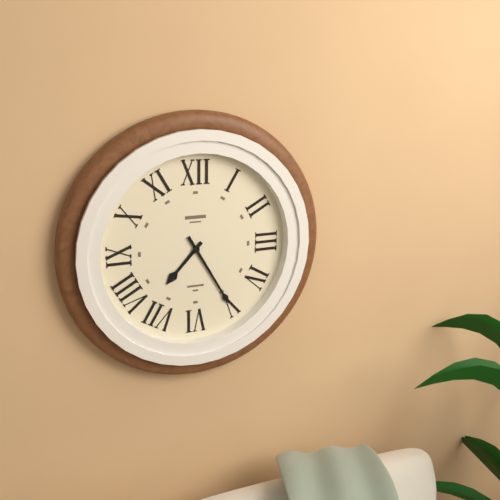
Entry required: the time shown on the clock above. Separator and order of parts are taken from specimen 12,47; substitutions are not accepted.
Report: 7,25
